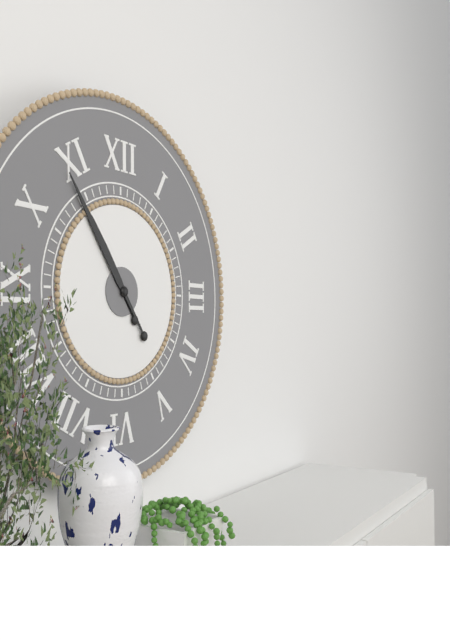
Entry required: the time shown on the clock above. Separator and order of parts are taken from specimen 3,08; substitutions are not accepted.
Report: 10,54
